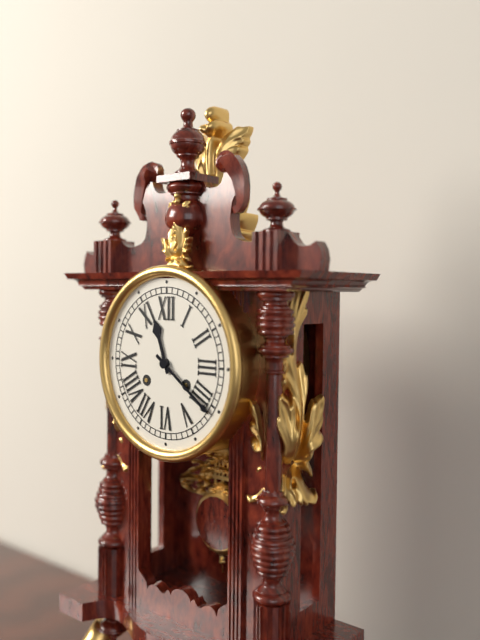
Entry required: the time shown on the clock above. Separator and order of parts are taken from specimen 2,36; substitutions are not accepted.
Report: 11,21
